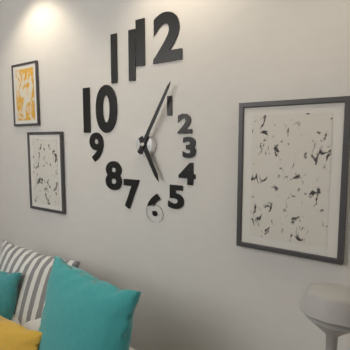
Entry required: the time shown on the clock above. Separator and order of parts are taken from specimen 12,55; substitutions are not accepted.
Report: 5,05
